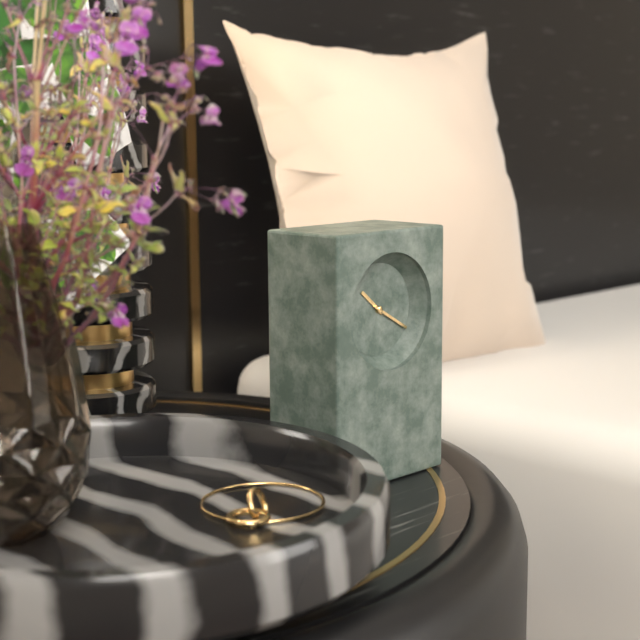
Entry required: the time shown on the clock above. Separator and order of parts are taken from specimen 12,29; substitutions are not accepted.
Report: 10,20
